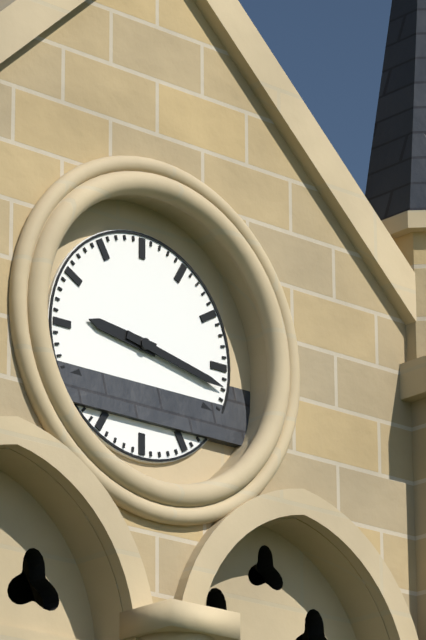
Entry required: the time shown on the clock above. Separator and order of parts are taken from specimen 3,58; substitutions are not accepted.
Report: 9,17
